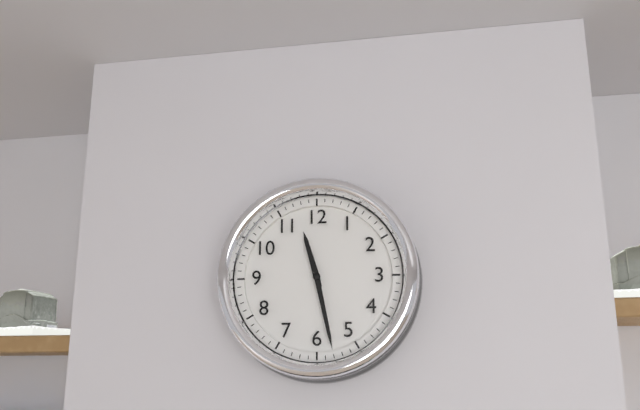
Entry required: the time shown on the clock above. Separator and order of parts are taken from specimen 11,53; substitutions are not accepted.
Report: 11,28
